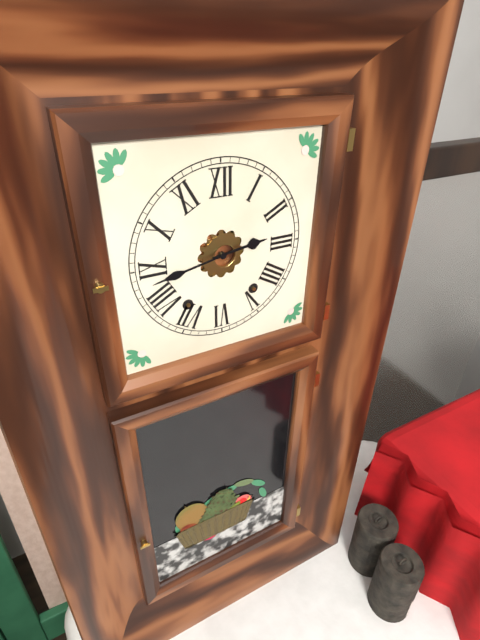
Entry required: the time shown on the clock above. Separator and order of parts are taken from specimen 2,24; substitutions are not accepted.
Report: 2,43
